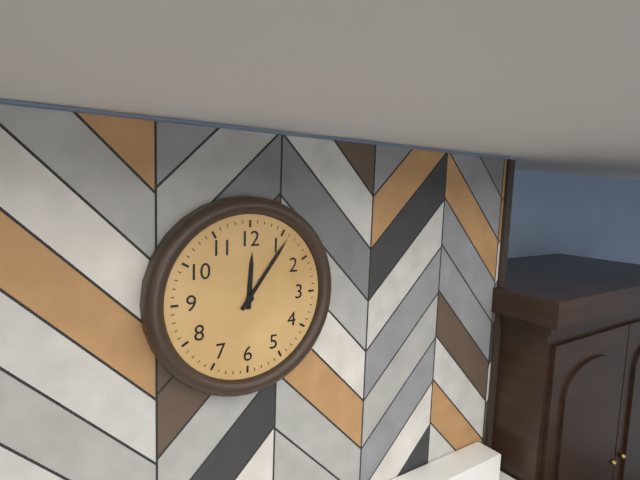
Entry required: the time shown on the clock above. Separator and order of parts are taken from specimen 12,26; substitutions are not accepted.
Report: 12,06
